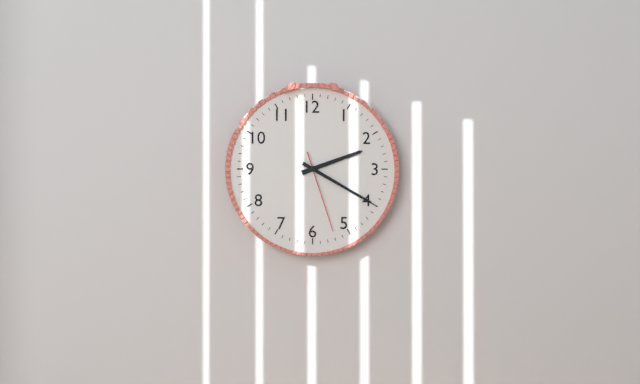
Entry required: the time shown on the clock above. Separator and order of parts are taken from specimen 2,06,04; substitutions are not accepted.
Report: 2,20,27
